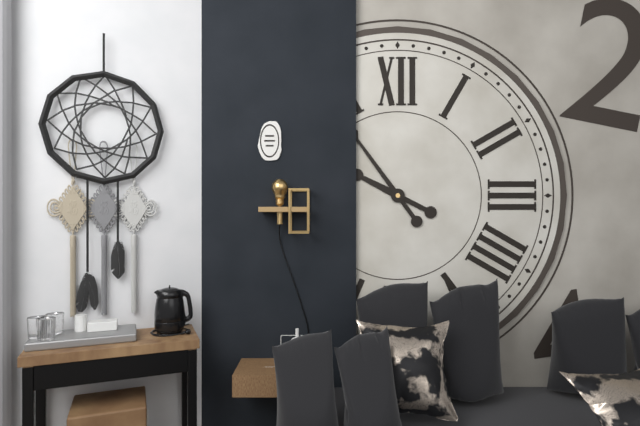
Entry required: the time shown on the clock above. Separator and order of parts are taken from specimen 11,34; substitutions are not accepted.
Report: 9,54
